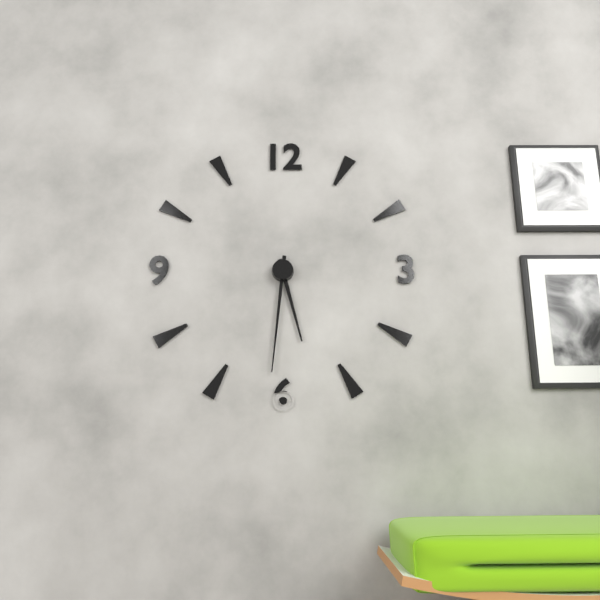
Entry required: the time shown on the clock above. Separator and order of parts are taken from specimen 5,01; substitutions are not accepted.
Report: 5,31
